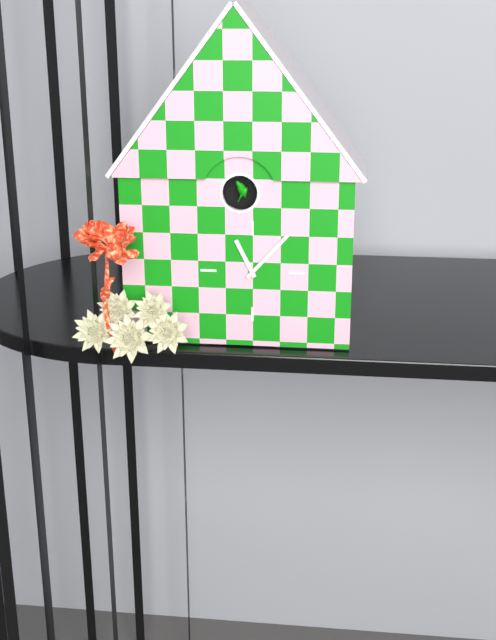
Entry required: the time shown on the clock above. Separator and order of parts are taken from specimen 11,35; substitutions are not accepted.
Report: 11,07
